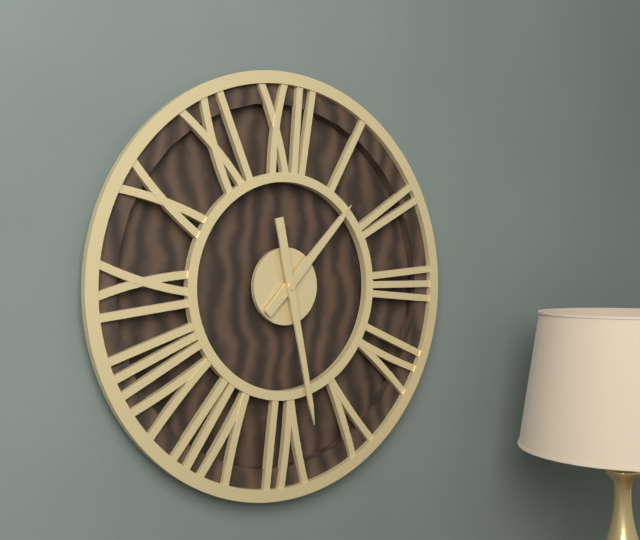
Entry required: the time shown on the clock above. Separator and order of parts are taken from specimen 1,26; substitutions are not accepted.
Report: 1,28
